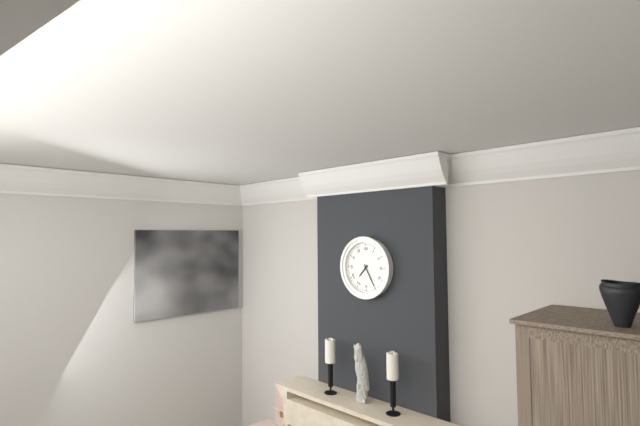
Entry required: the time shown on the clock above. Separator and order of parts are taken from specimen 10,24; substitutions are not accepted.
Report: 7,25
